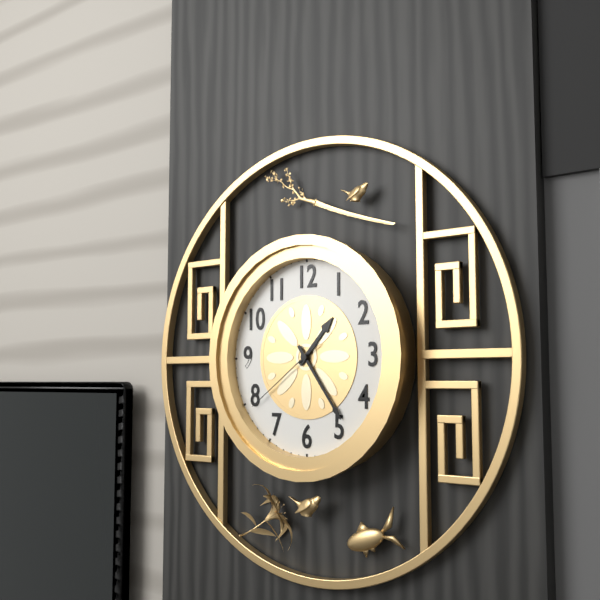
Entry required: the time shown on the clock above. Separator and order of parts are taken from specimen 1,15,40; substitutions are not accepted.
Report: 1,24,39
